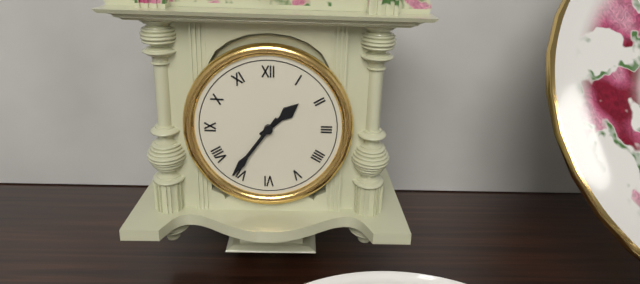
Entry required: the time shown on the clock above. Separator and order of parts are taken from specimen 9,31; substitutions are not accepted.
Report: 1,36
